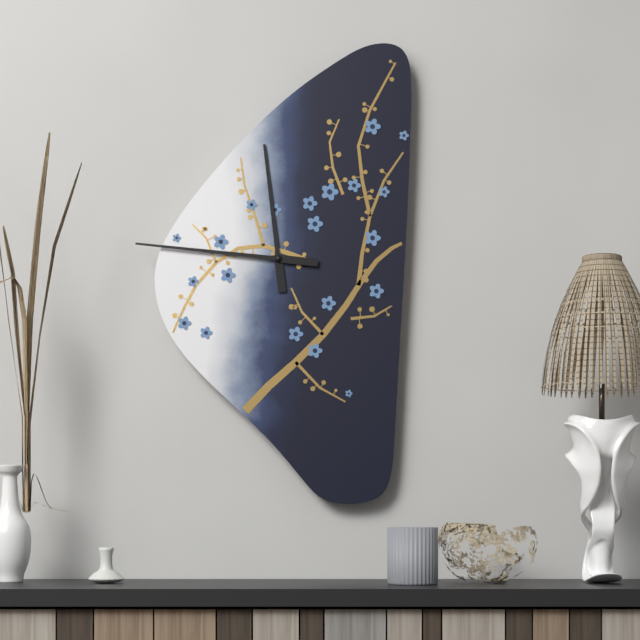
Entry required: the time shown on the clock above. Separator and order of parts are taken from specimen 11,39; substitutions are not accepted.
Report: 11,46
